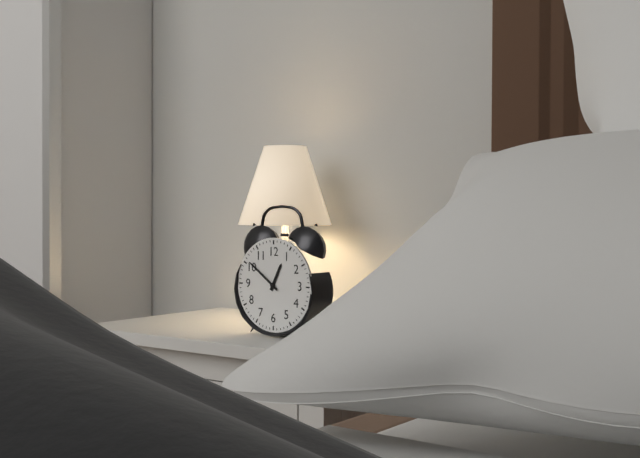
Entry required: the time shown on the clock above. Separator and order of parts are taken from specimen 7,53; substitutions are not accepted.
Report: 12,51
